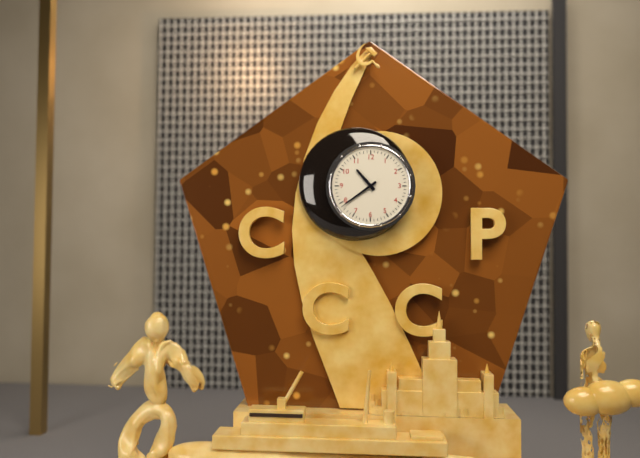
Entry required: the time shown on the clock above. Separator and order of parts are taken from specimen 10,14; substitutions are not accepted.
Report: 10,39
